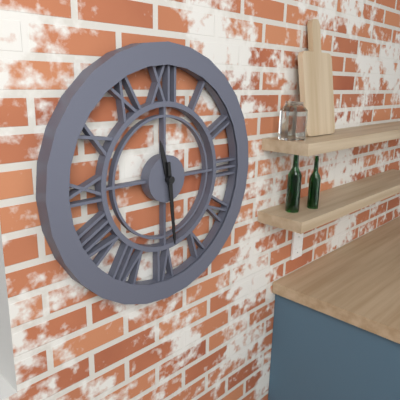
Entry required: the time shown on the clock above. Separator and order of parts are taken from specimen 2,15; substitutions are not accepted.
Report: 11,29
